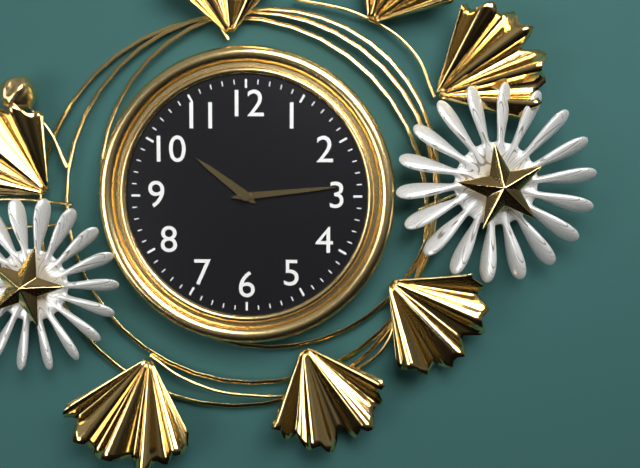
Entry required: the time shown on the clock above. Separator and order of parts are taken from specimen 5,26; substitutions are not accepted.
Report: 10,14
